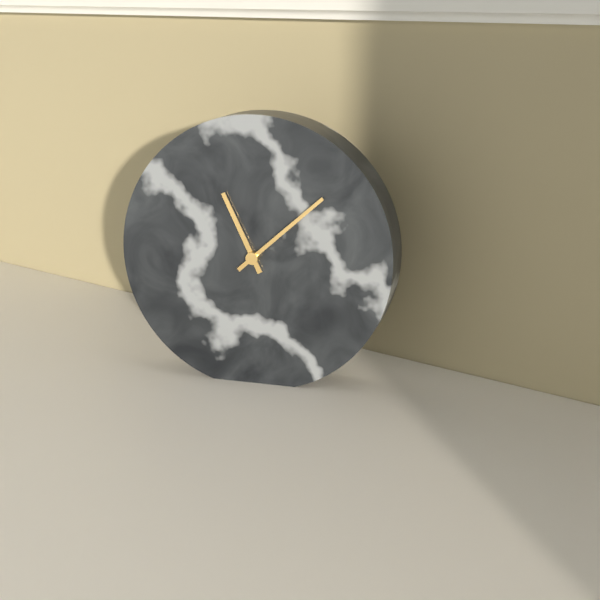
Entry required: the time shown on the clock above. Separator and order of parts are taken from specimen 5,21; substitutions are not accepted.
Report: 11,08
